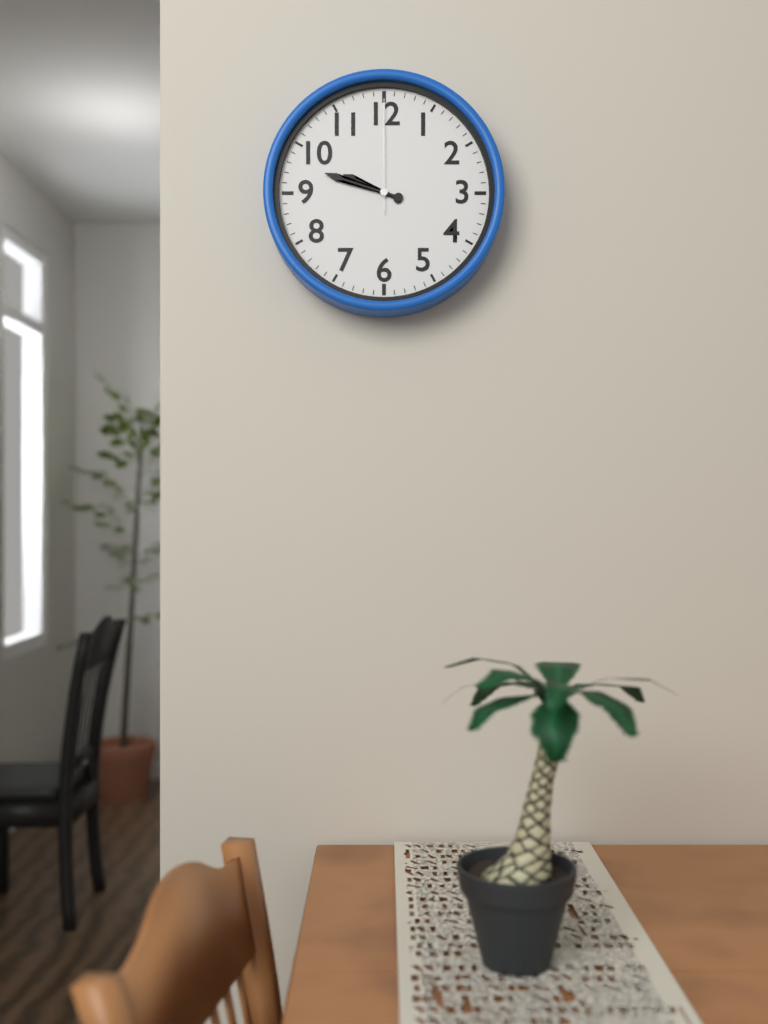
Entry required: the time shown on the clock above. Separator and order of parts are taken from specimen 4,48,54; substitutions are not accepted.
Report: 9,48,00
